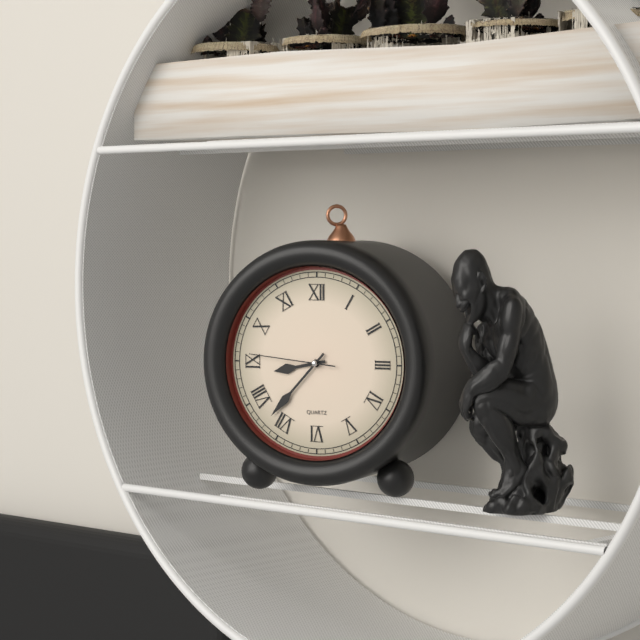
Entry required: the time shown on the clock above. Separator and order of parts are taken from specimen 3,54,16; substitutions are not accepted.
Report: 8,37,46
